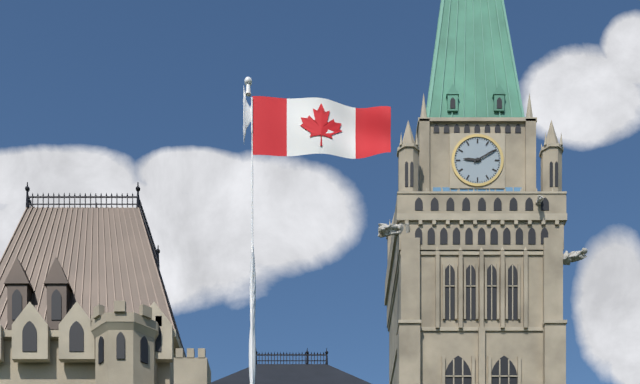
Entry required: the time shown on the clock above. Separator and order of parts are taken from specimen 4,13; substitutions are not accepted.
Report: 9,10
